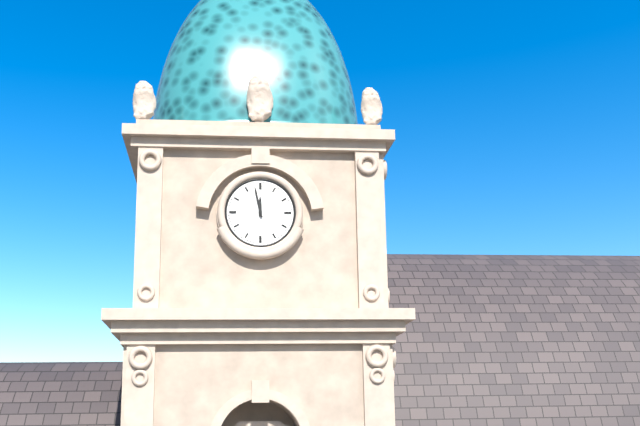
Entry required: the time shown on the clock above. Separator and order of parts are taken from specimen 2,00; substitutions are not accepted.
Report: 11,58
